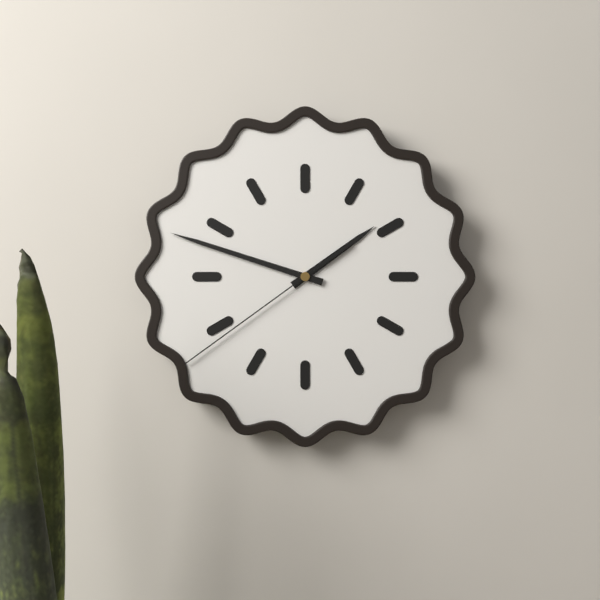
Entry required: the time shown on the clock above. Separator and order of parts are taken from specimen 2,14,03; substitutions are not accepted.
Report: 1,48,39
